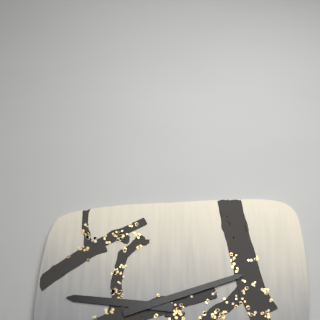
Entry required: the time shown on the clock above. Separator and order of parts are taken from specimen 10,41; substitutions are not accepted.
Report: 9,12
